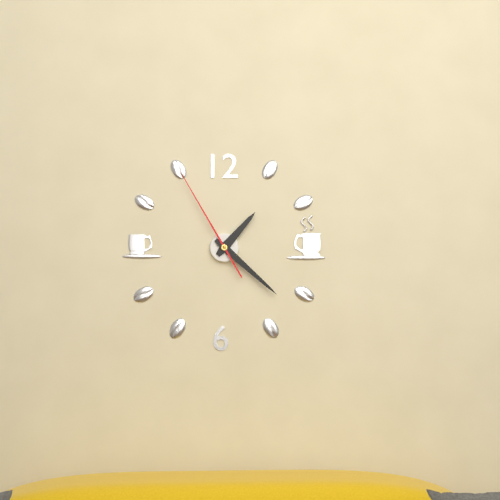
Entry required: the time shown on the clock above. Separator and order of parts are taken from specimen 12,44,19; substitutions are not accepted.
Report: 1,22,55
